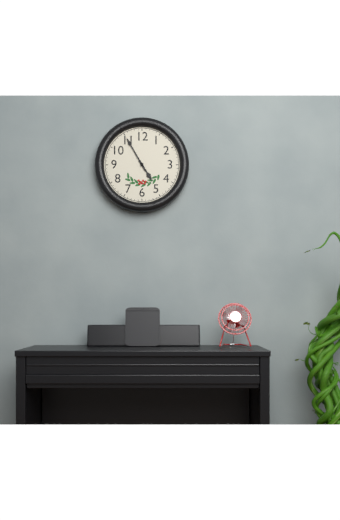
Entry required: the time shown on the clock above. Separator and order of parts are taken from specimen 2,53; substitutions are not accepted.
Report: 4,55
